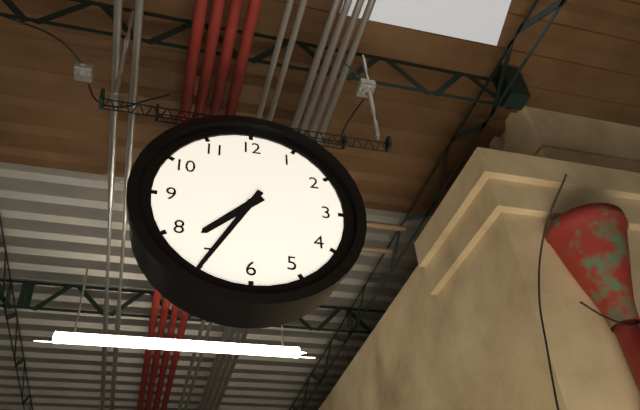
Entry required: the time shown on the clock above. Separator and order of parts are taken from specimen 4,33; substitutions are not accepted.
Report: 7,35
